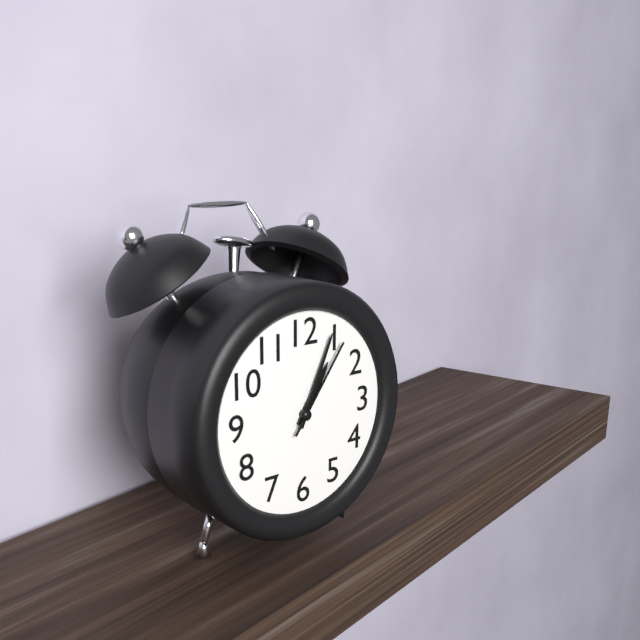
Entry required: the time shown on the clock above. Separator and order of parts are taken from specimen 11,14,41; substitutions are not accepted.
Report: 1,04,06
